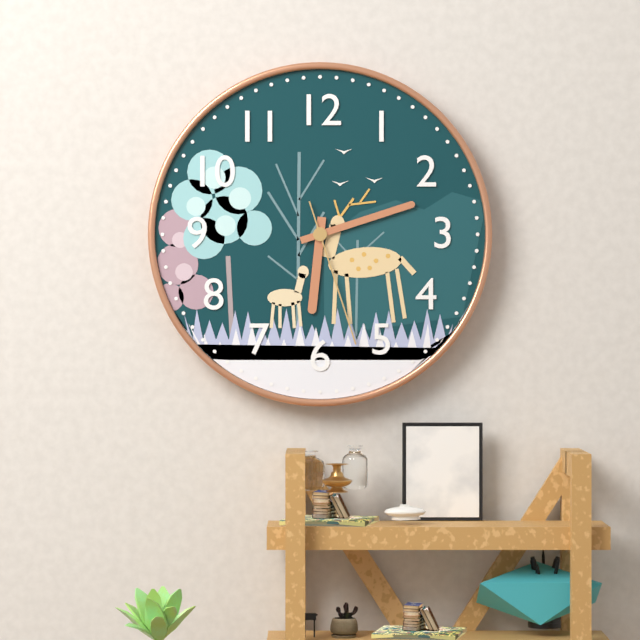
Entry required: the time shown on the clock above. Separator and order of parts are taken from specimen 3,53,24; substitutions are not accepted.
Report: 6,12,27
